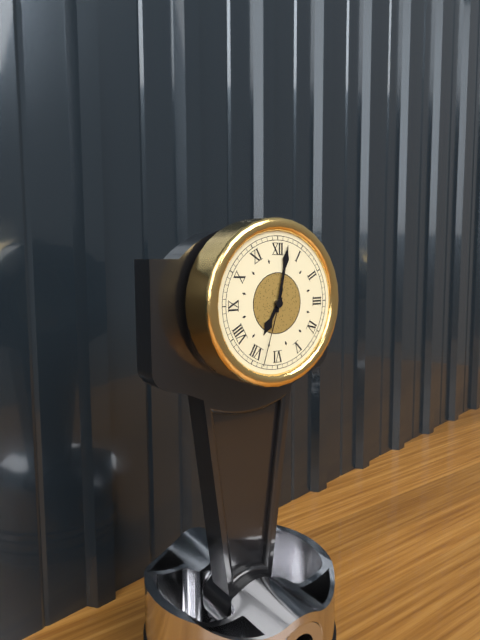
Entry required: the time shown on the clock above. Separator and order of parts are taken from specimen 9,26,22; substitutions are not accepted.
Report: 7,02,33
